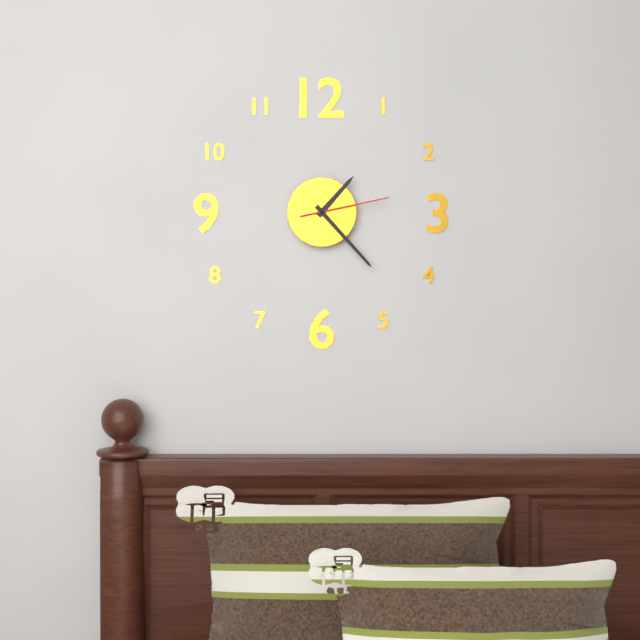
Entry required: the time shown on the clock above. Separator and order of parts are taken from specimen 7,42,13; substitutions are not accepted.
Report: 1,23,13
